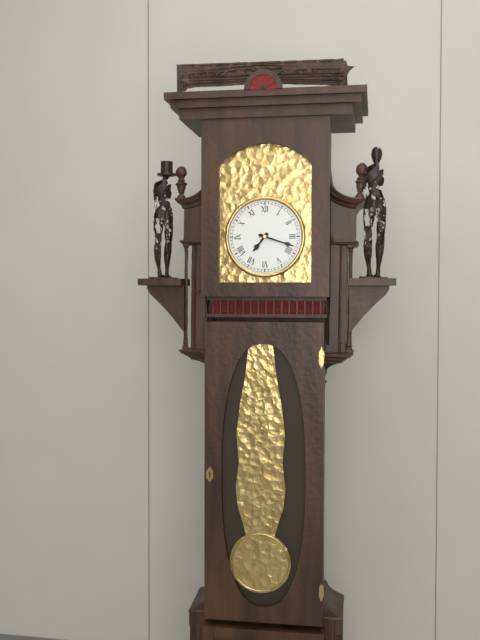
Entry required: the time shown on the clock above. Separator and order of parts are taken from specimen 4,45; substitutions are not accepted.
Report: 7,18
